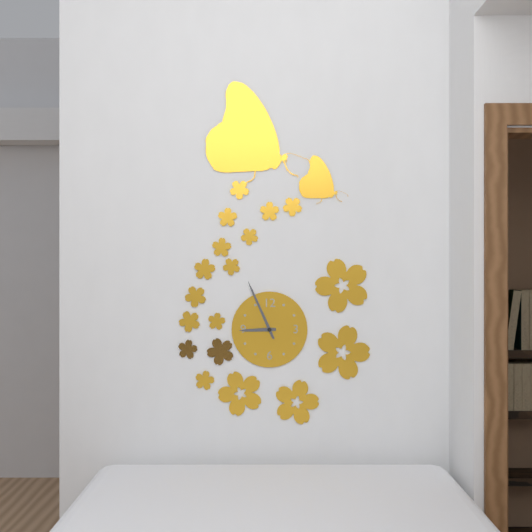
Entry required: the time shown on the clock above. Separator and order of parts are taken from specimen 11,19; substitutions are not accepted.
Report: 8,56
